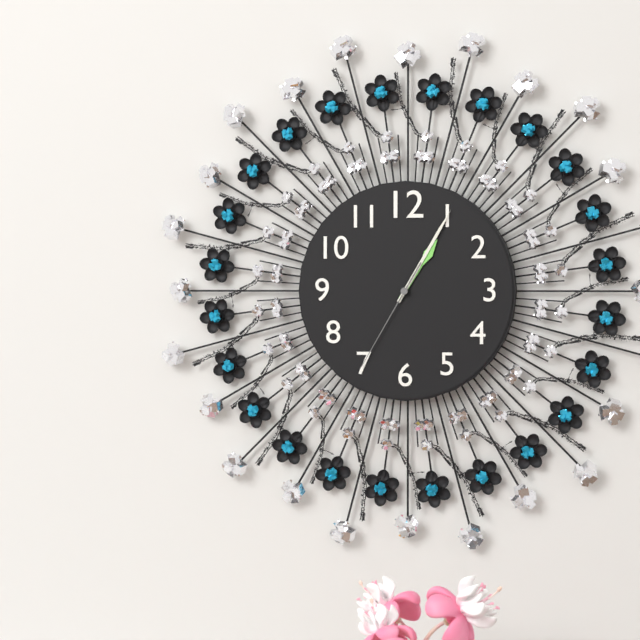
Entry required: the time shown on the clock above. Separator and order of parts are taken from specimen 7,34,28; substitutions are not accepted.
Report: 1,05,35
